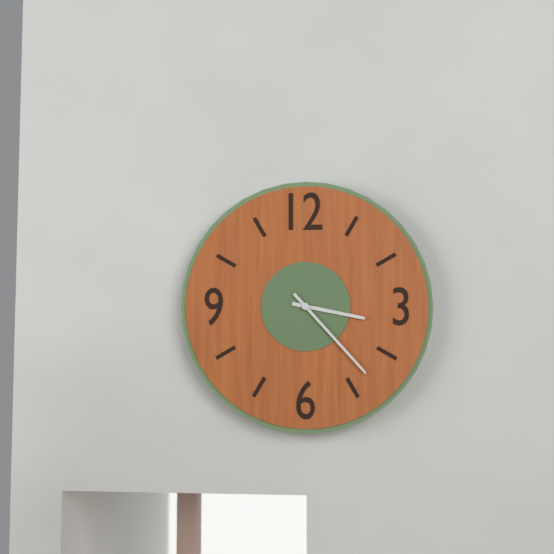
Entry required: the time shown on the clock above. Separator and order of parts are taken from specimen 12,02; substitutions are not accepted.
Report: 3,23
